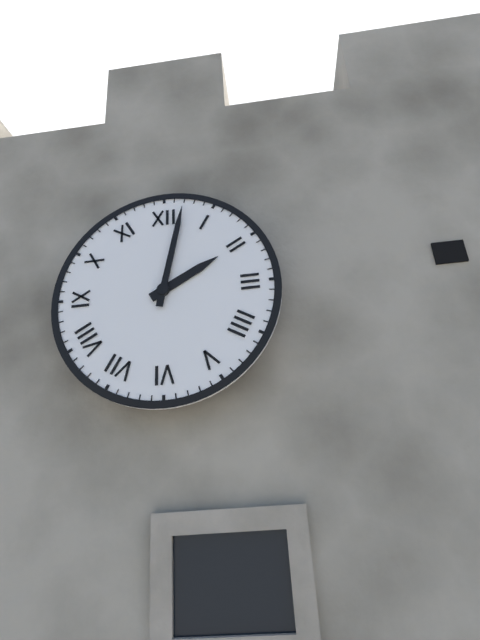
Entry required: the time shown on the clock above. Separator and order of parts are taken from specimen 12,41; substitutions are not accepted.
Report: 2,02
